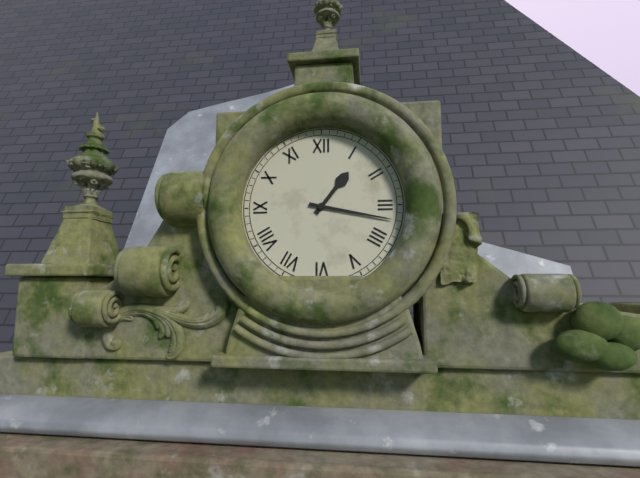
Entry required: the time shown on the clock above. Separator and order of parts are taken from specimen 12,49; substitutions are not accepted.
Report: 1,17
